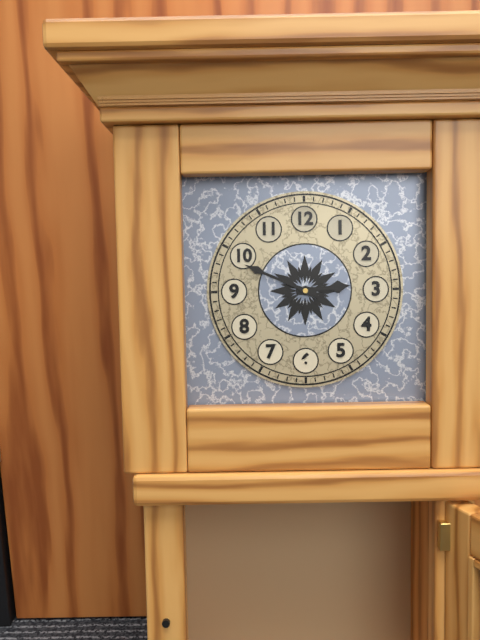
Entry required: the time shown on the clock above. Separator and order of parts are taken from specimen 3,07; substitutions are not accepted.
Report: 2,49
